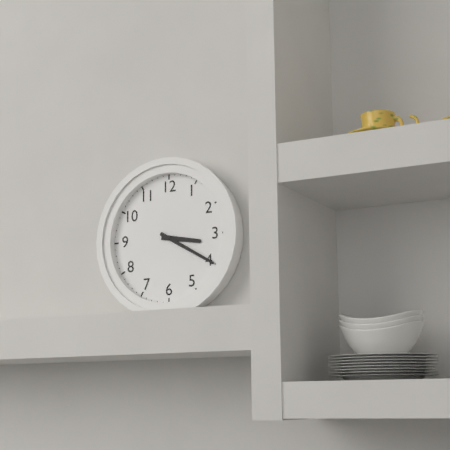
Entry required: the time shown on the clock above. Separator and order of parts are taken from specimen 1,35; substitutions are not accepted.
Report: 3,20
